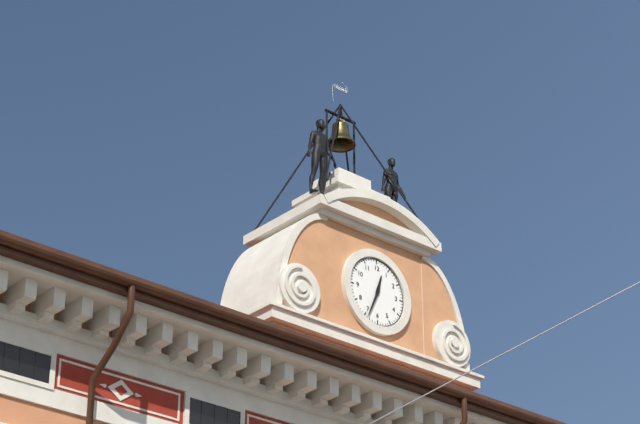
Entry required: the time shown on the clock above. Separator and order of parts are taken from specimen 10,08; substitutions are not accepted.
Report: 12,34
